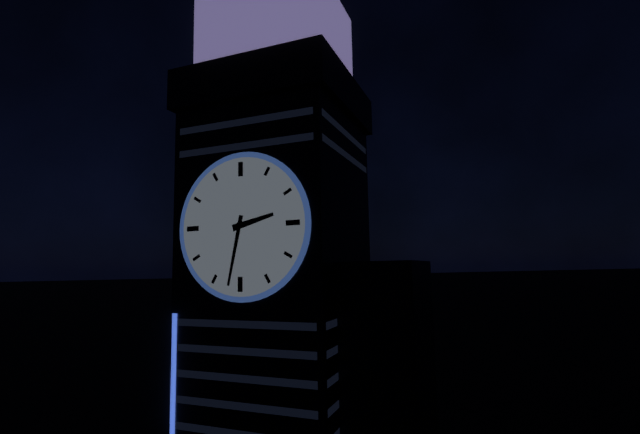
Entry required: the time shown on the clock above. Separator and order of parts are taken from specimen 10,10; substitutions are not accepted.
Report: 2,32
